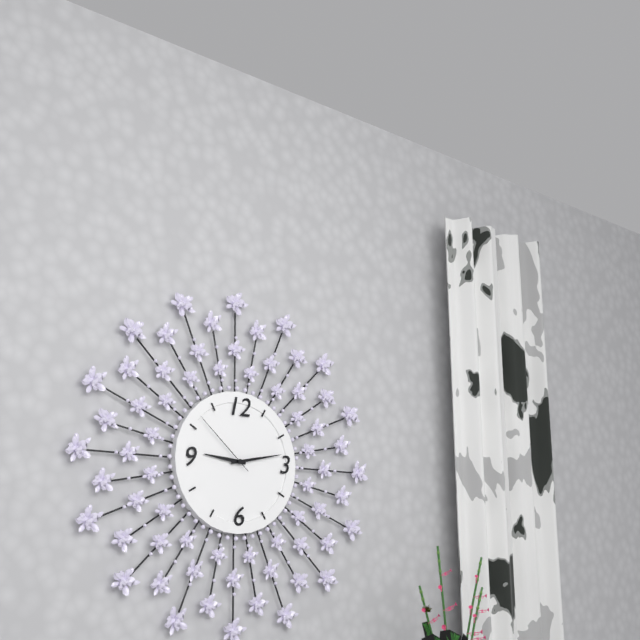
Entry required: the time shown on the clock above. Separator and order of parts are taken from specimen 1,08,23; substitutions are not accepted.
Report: 9,13,52
